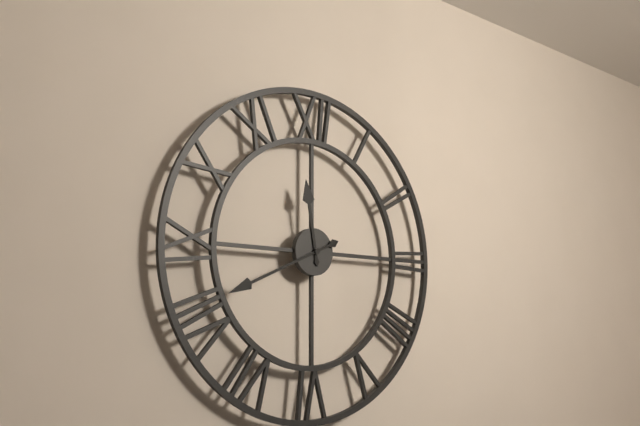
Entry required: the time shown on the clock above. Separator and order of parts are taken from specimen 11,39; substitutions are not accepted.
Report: 11,41
